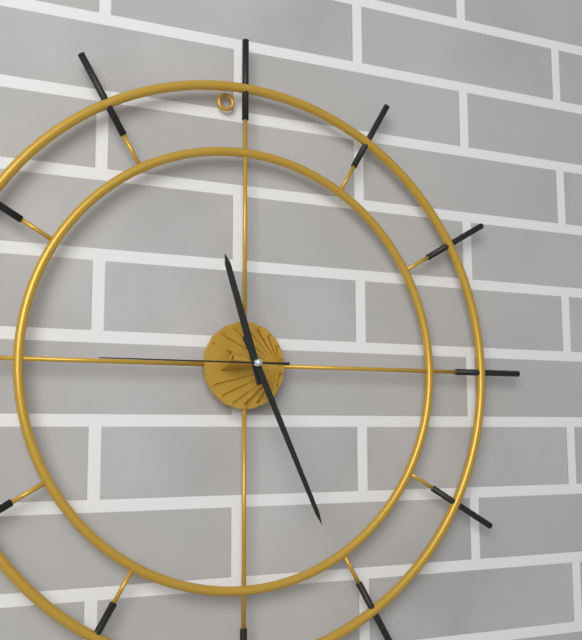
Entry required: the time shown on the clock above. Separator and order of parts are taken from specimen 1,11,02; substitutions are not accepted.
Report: 11,26,45
